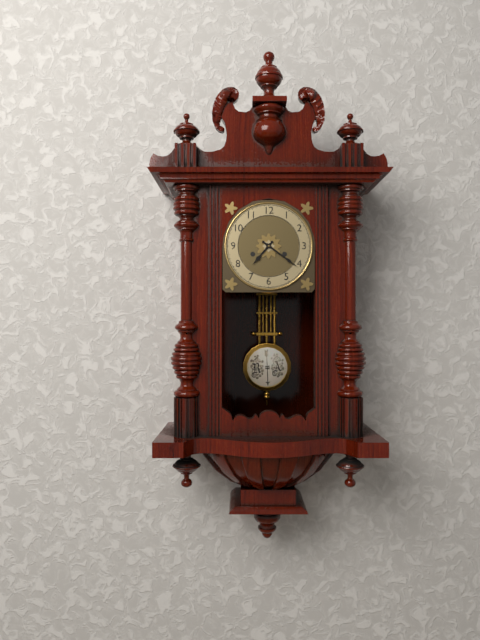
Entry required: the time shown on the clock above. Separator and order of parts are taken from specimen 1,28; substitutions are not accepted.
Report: 7,21
